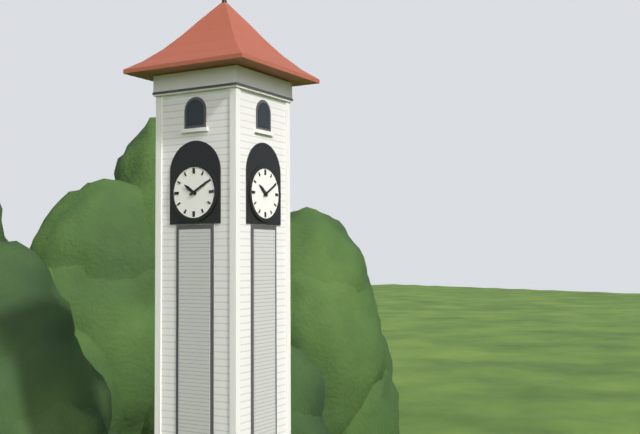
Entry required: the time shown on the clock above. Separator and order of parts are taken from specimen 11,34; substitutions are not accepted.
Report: 10,10
